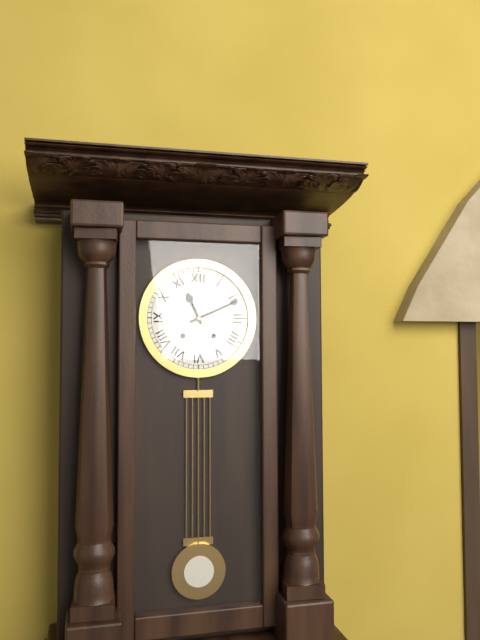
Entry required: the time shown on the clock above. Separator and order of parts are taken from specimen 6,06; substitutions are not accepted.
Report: 11,11
